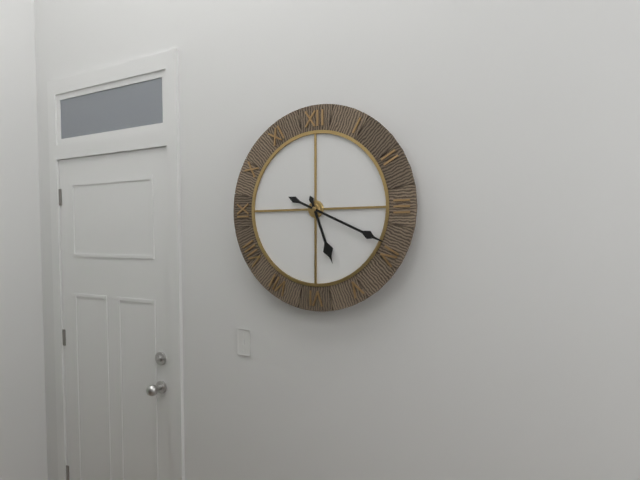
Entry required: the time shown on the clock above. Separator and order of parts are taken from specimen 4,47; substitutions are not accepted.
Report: 5,19
